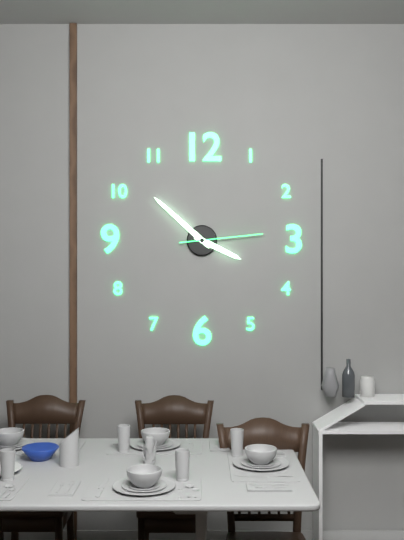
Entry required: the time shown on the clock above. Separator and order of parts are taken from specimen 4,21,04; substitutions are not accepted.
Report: 3,52,14
